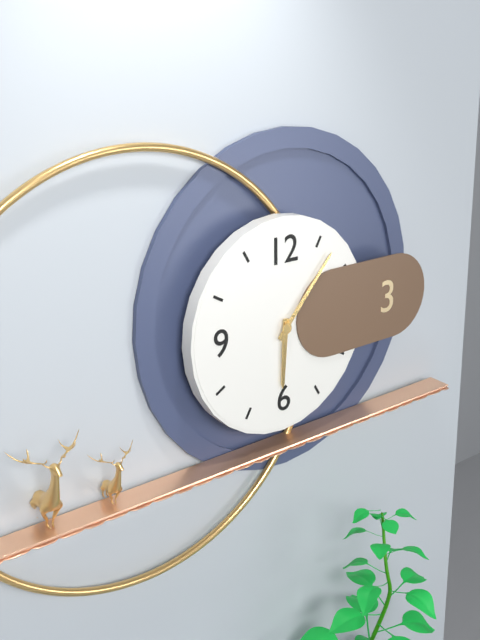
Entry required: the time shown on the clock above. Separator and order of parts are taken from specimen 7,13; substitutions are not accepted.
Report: 6,07
